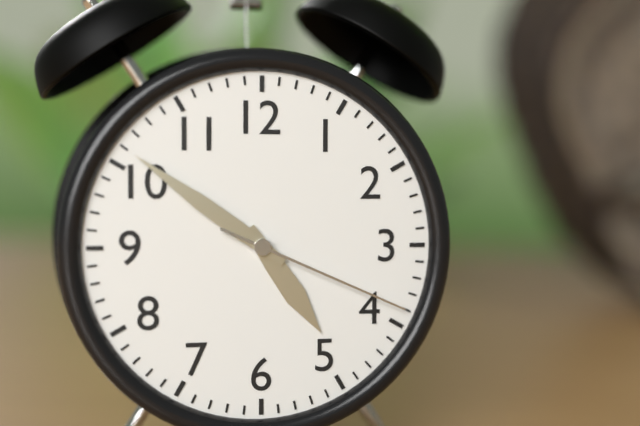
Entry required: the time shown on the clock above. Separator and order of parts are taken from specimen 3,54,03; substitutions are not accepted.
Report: 4,51,19
